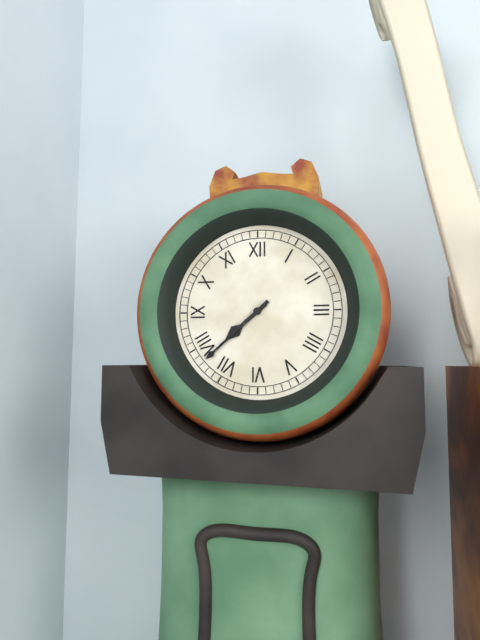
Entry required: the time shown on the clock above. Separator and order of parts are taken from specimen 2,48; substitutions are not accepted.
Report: 7,38
